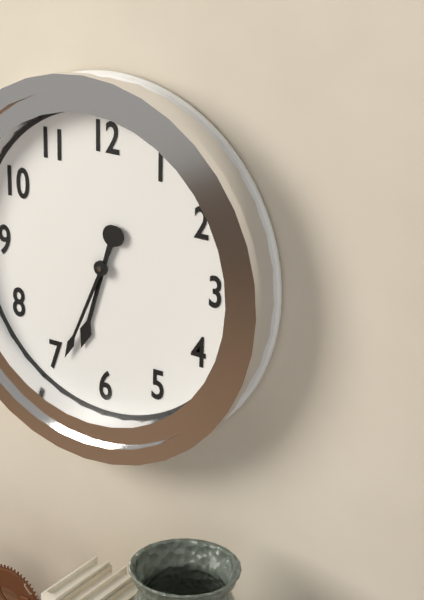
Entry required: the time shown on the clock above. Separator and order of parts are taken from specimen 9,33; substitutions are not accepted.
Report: 6,34
